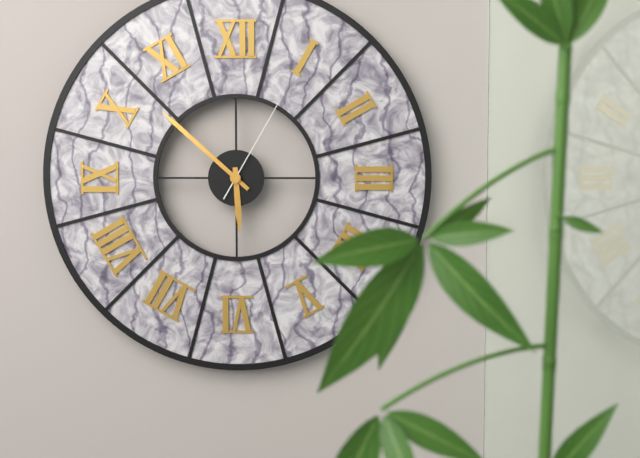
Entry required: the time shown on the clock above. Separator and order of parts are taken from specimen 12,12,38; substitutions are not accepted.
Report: 5,52,05
